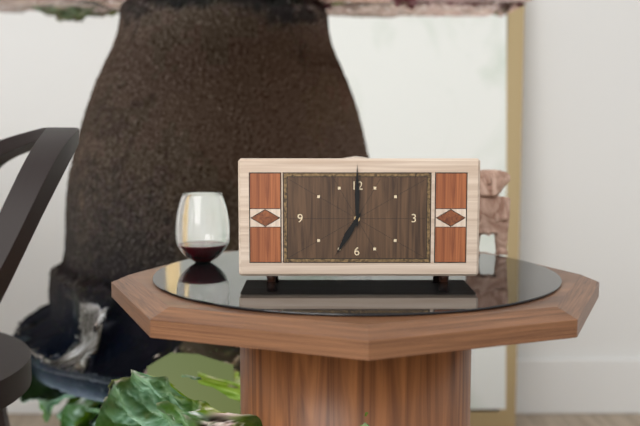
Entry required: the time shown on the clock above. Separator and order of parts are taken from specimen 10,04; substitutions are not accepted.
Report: 7,00
